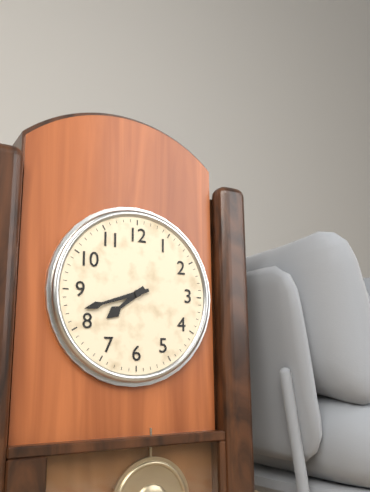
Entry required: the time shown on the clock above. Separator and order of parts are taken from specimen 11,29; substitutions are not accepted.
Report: 7,42
